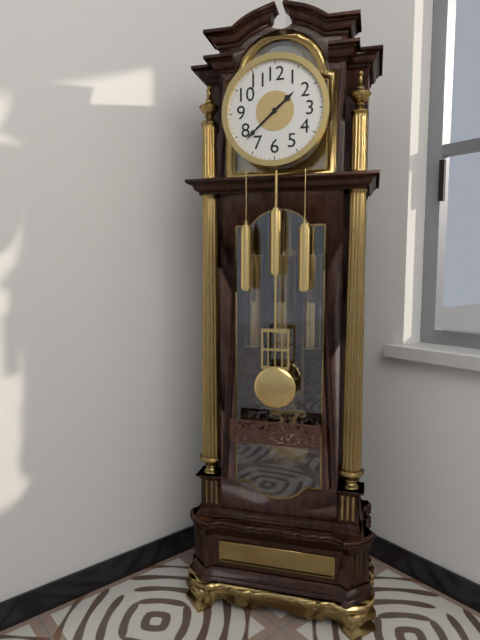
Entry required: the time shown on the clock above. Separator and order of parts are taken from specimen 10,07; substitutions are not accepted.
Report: 1,38
